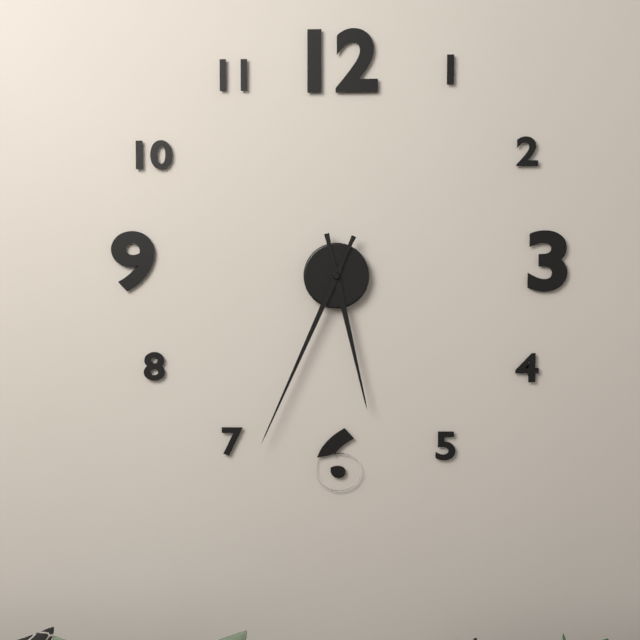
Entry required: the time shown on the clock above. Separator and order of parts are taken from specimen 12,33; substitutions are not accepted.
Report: 5,34
